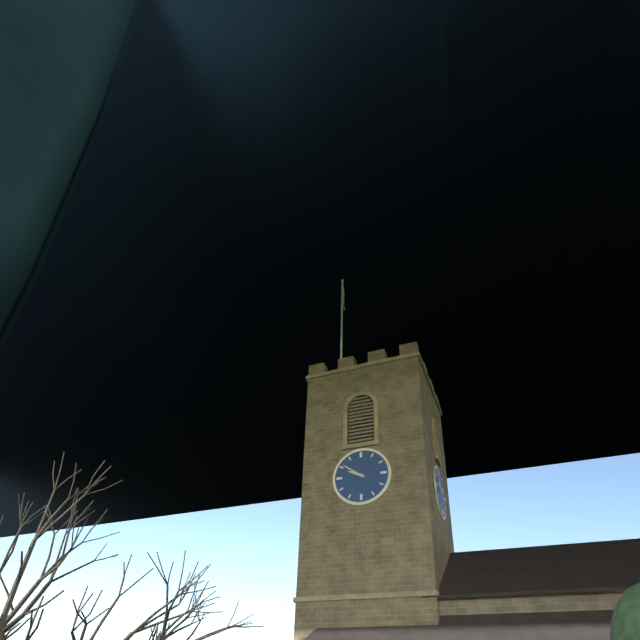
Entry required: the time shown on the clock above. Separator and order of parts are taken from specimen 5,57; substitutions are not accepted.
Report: 9,51
